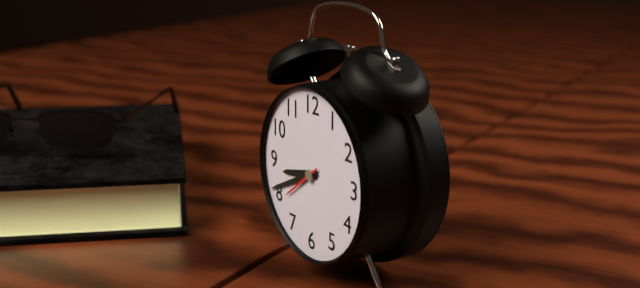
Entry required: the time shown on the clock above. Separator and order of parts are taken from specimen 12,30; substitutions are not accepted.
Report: 8,41
